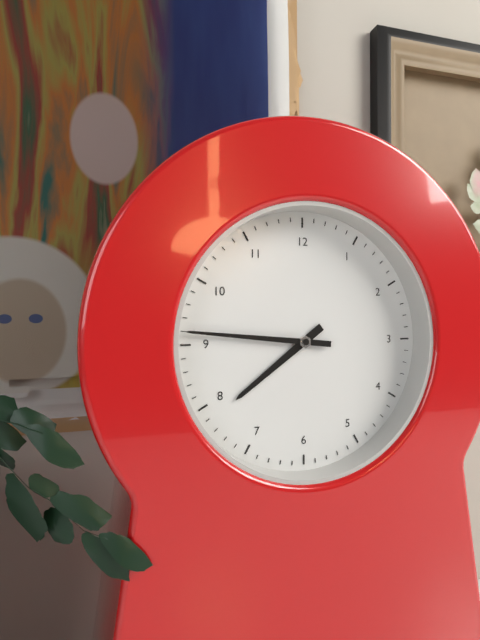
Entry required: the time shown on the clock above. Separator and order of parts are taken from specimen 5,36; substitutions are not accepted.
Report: 7,46
